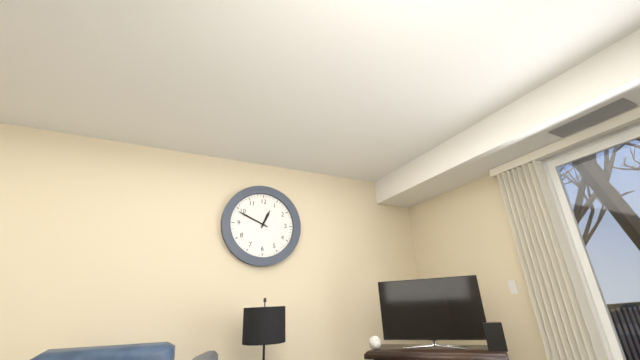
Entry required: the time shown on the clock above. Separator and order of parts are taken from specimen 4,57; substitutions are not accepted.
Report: 12,49
